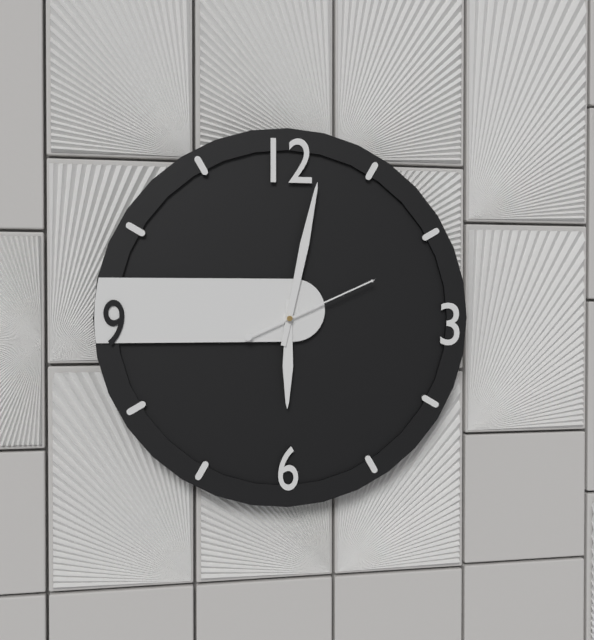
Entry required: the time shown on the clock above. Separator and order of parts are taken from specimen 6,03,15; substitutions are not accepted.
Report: 6,02,11
